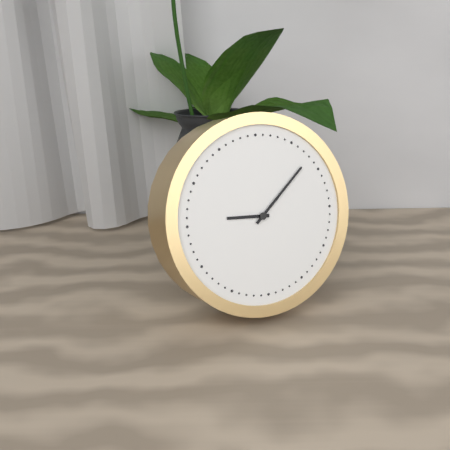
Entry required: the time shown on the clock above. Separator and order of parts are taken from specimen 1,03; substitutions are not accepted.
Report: 9,08
